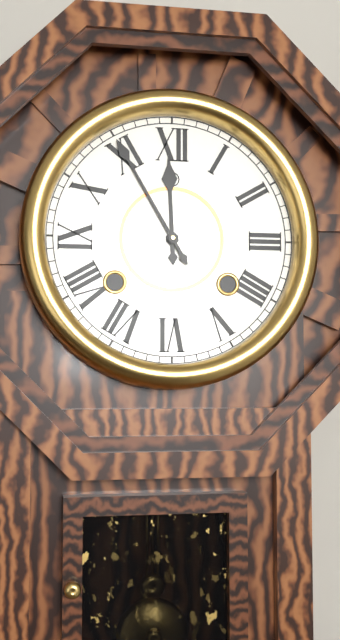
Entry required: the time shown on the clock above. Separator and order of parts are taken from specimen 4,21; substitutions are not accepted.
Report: 11,55
